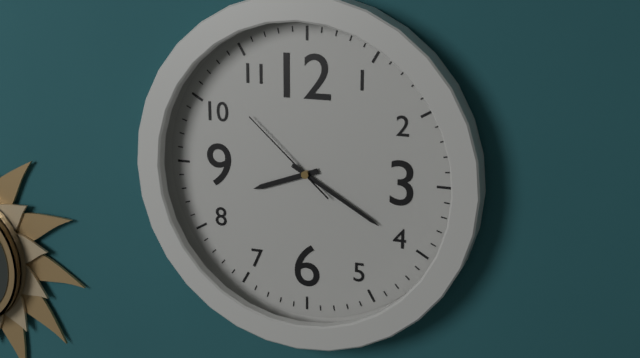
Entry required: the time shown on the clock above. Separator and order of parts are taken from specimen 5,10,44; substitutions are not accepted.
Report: 8,20,52
